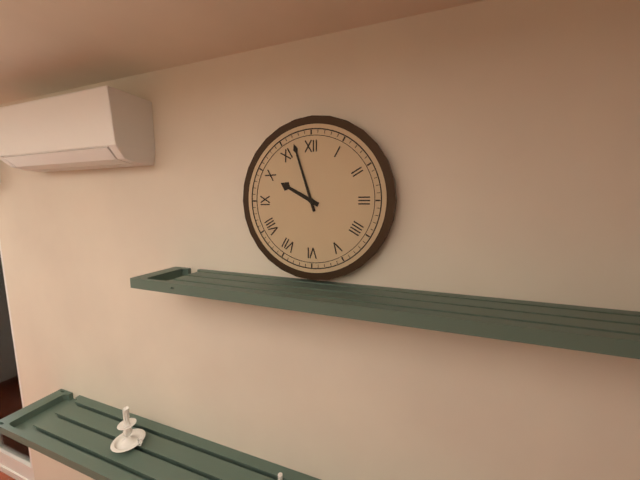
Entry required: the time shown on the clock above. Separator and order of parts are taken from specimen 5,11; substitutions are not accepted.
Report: 9,57
